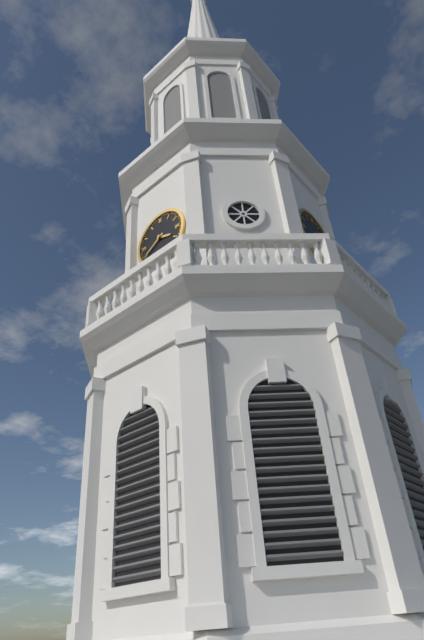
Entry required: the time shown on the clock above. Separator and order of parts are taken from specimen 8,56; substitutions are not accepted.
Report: 3,40
